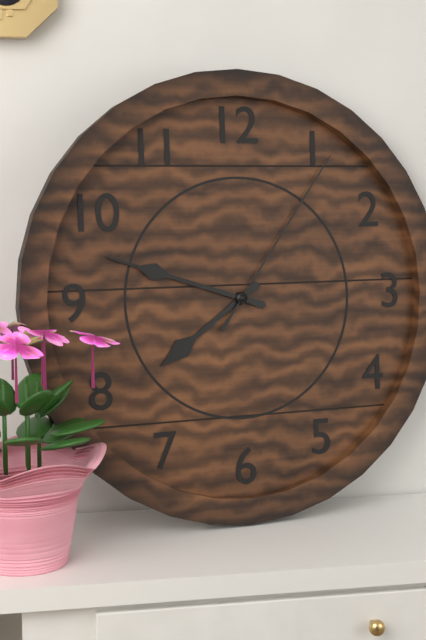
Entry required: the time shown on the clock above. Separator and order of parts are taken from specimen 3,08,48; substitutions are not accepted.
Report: 7,48,06
